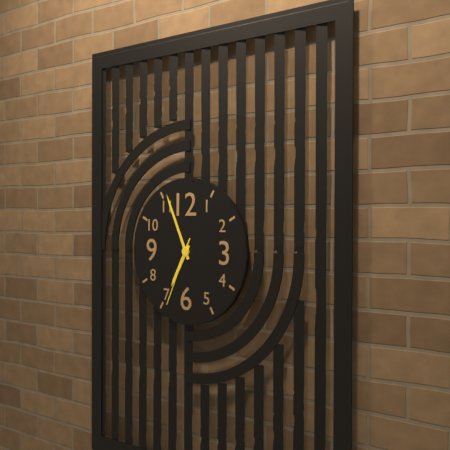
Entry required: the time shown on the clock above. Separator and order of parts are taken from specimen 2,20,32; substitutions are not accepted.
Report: 6,56,34
